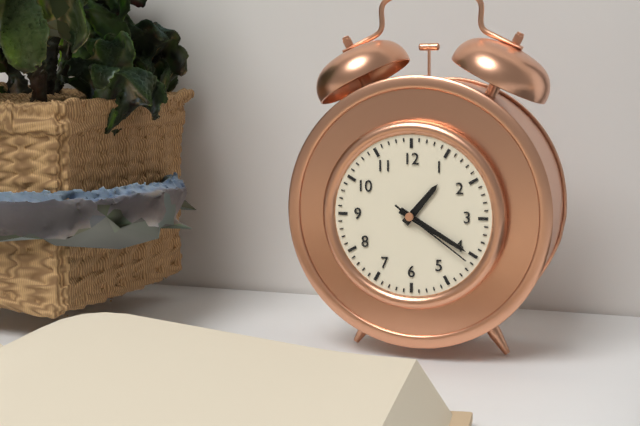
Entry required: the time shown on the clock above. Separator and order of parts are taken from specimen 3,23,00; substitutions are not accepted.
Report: 1,20,21
